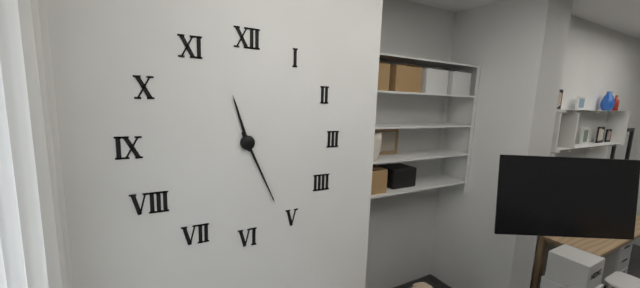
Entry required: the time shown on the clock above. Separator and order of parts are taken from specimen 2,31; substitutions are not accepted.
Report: 11,26
